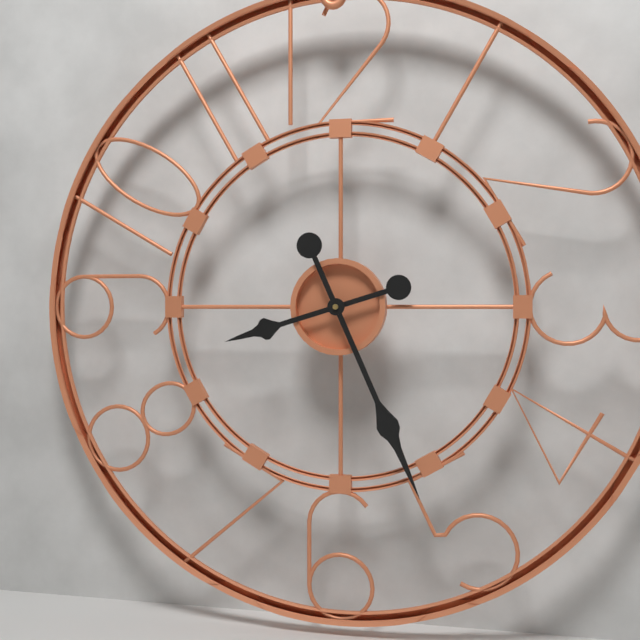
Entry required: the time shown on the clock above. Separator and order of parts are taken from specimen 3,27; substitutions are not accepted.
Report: 8,26
